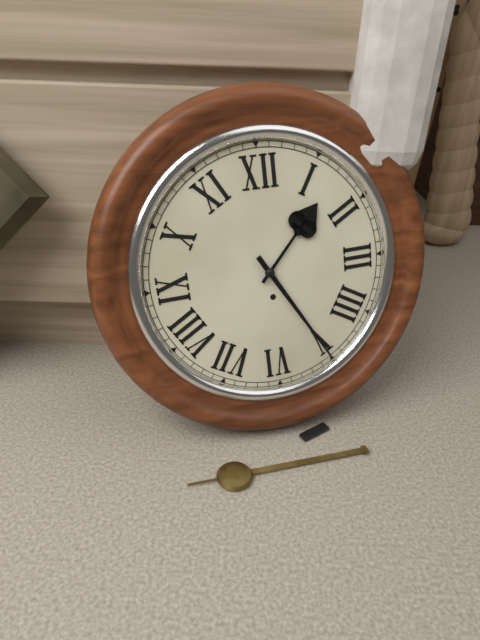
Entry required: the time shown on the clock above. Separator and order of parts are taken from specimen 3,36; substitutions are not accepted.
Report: 1,25
